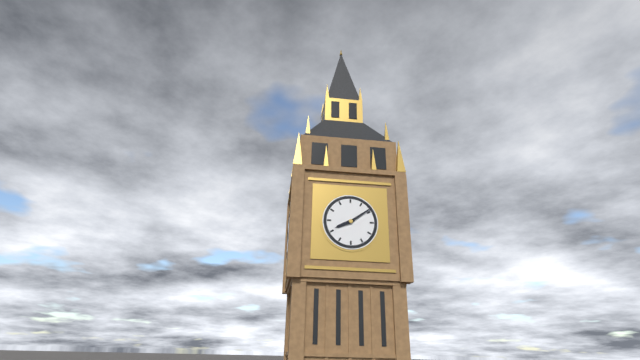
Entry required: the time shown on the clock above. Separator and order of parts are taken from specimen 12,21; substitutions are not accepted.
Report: 8,09
